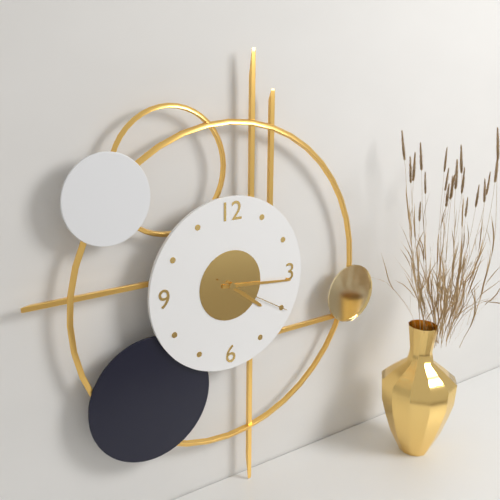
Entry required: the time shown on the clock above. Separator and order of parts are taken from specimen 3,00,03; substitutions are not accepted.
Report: 4,16,20
